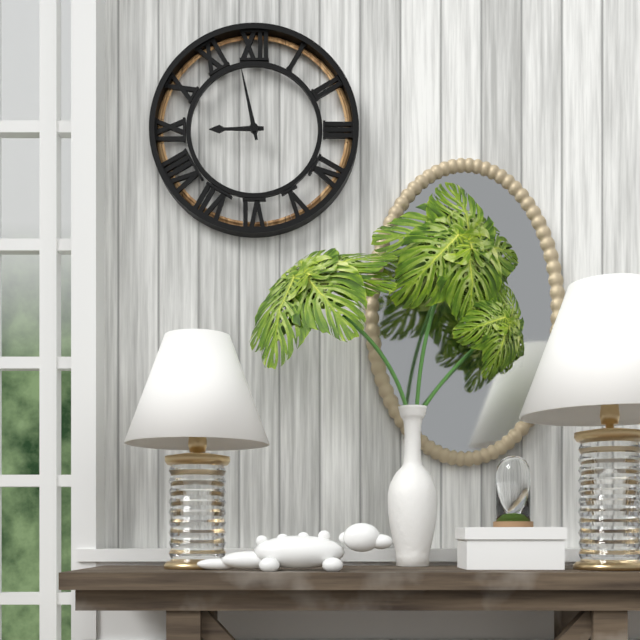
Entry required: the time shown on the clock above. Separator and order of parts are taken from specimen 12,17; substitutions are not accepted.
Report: 8,58
